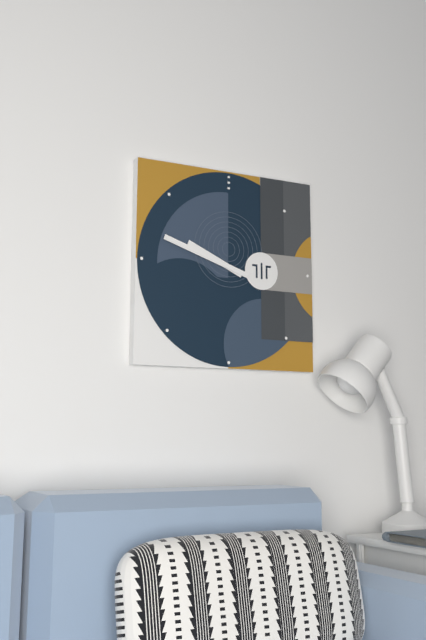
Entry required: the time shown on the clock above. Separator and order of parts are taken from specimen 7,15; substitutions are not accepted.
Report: 9,48
